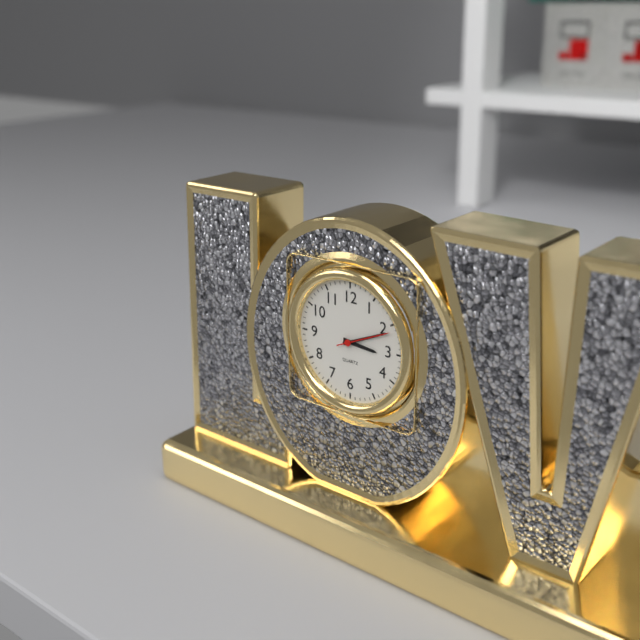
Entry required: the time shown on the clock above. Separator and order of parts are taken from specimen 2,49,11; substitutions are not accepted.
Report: 3,11,11
